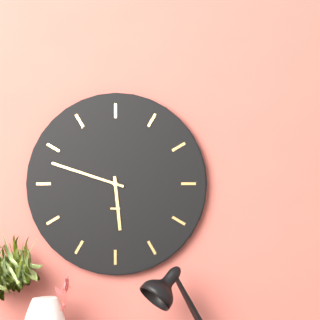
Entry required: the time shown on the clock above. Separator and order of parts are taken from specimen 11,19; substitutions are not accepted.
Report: 5,48
